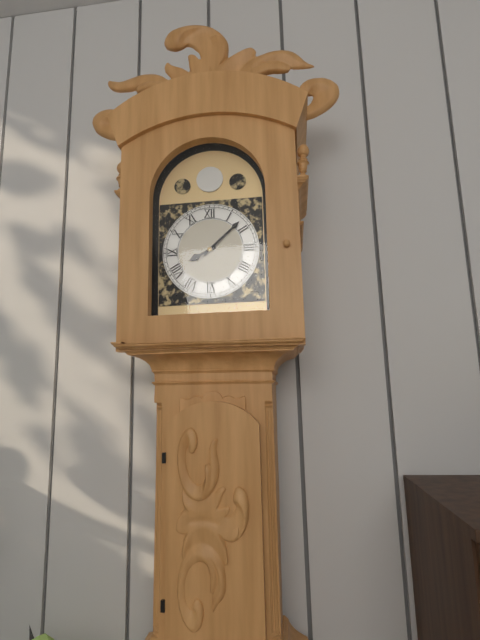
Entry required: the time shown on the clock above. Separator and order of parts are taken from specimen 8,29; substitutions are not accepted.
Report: 8,08
